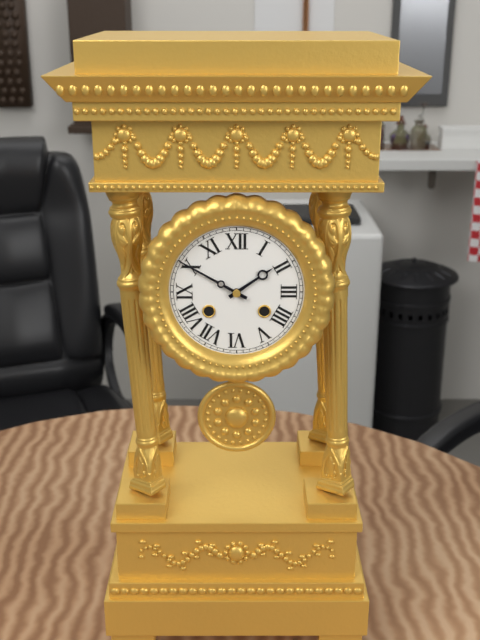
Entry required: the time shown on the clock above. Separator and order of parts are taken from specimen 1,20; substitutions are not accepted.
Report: 1,50
